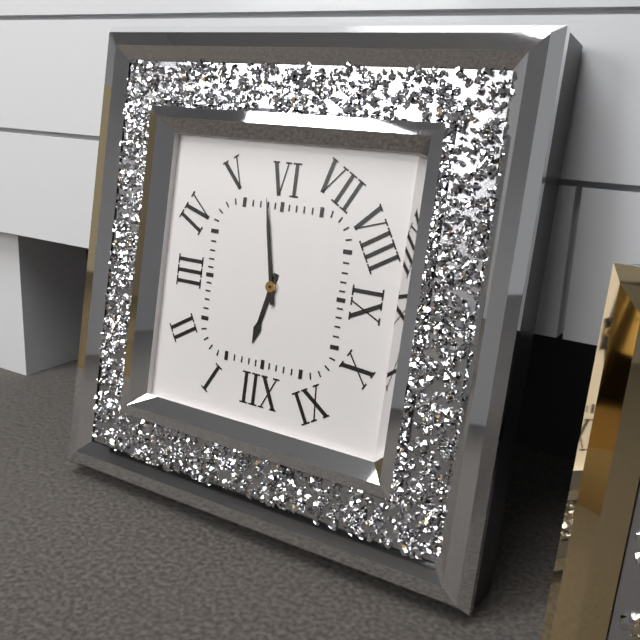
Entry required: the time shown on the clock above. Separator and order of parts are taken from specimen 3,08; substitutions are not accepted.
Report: 12,28
